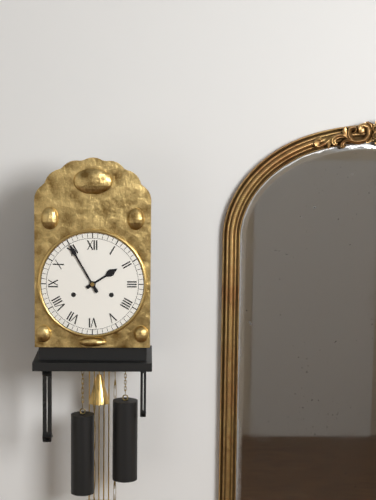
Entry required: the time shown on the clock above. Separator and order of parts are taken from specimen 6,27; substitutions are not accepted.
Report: 1,55
